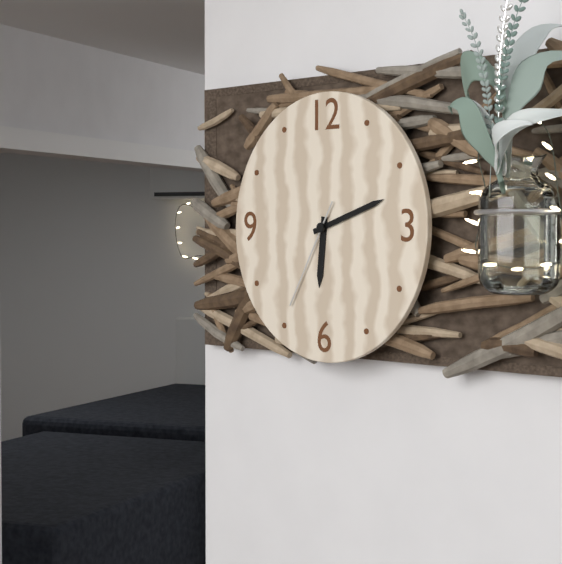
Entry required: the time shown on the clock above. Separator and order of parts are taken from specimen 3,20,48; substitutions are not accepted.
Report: 6,12,35
